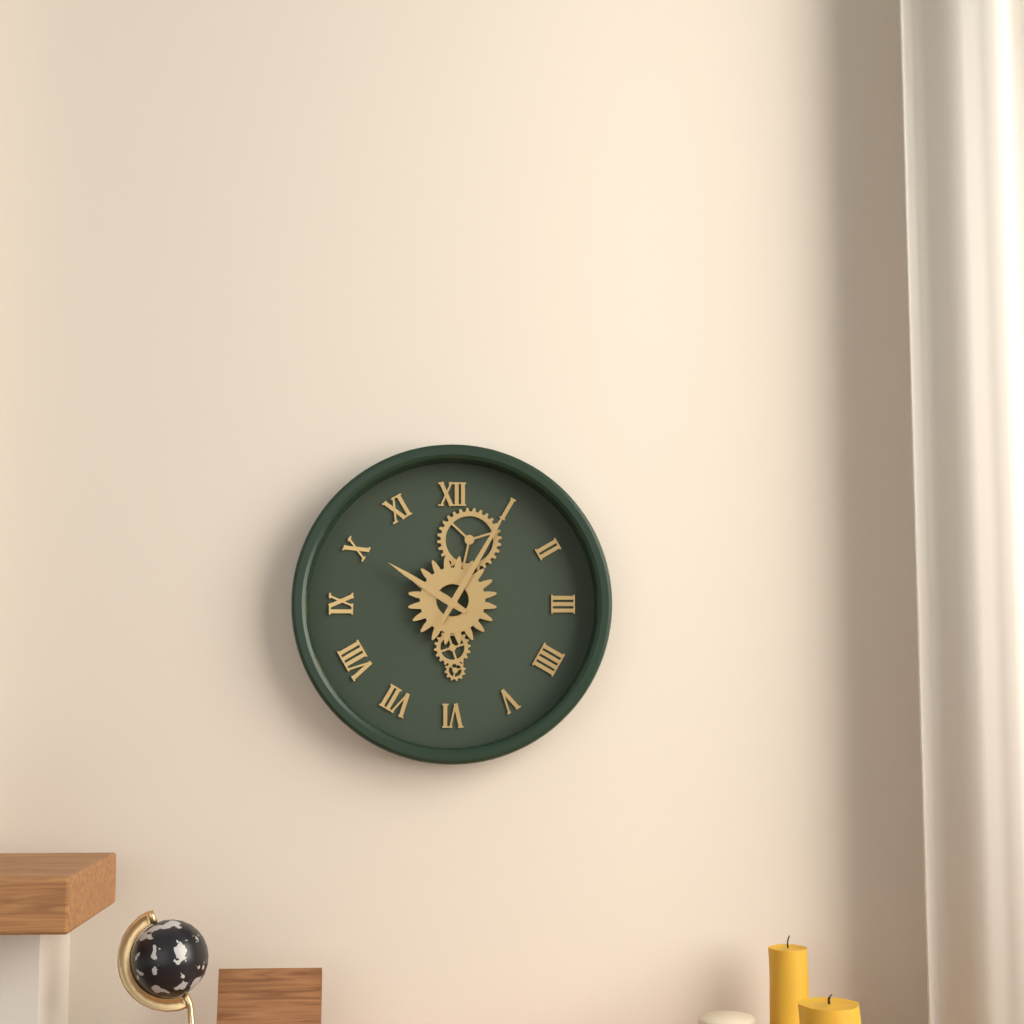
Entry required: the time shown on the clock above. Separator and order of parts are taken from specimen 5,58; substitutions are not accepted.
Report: 10,05
